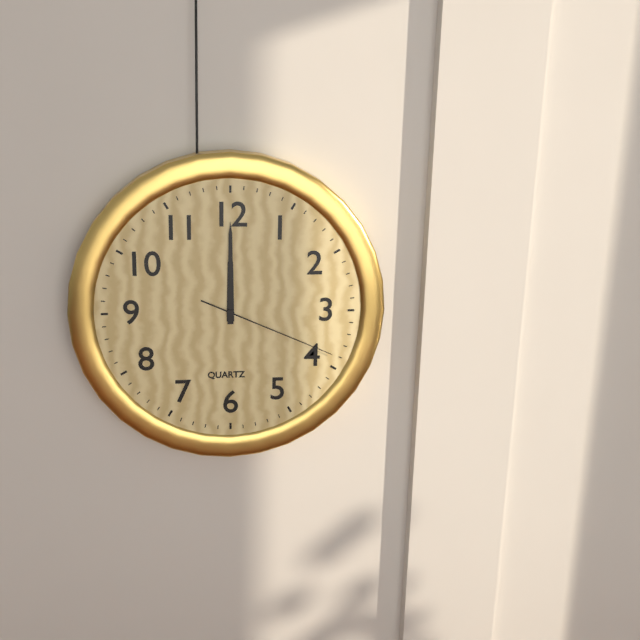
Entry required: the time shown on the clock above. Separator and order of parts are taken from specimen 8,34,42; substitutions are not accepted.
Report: 12,00,19
